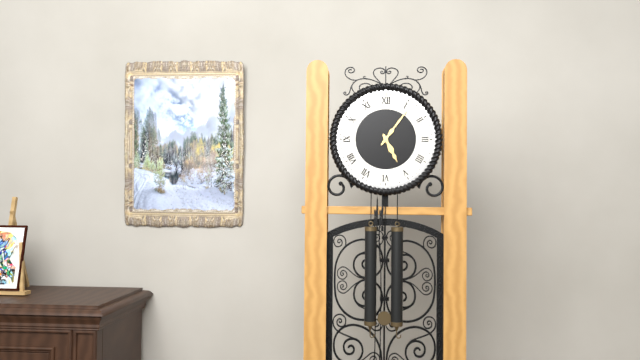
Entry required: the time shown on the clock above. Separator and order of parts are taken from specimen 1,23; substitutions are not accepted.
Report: 5,06
